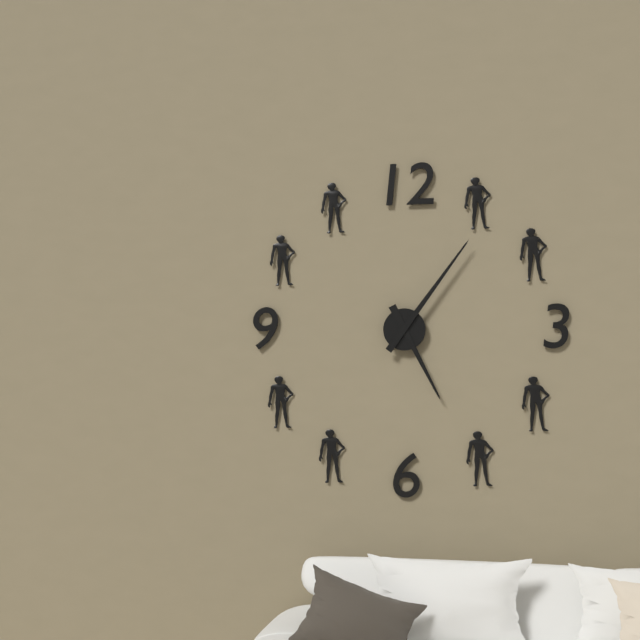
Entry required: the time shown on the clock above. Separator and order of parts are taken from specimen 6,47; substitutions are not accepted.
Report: 5,06
